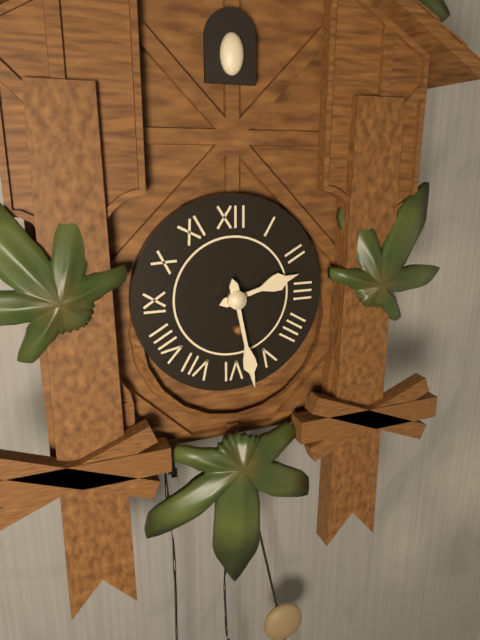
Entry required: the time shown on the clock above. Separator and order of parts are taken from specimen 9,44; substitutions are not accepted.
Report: 2,28
